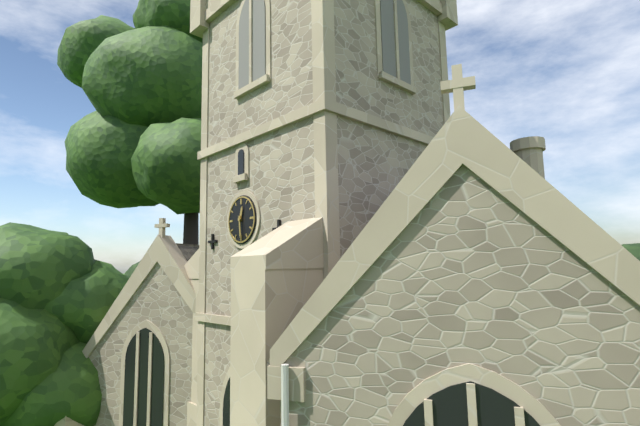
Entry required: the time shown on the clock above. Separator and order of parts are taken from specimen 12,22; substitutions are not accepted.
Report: 12,29
